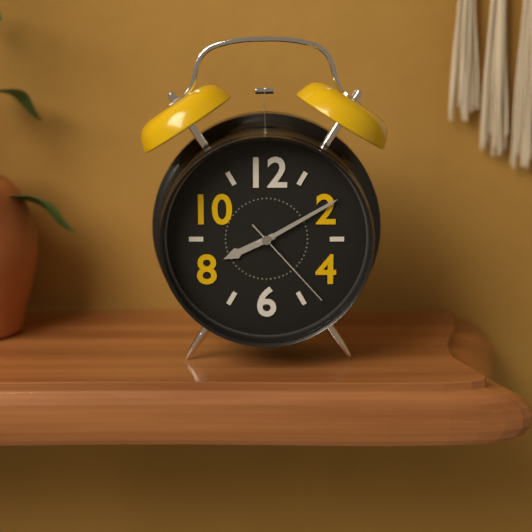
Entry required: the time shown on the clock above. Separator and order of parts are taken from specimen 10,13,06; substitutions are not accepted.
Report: 8,10,23
